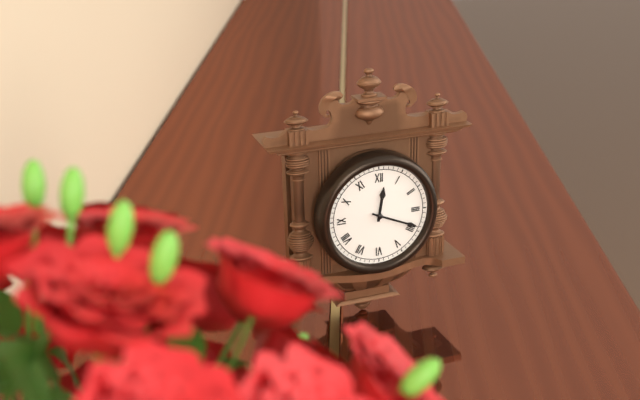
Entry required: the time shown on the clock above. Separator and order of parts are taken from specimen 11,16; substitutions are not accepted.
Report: 12,19
